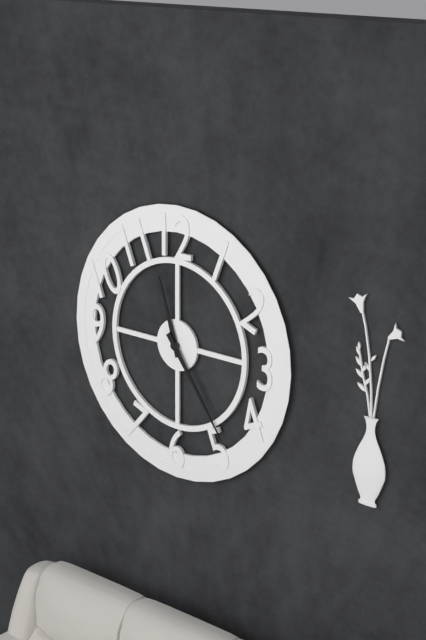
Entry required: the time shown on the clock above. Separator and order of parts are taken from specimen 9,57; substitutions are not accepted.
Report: 11,24
